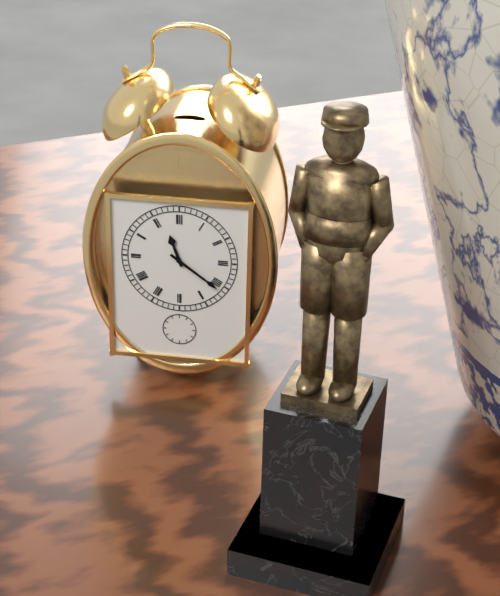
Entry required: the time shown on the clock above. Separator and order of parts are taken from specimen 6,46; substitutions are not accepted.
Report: 11,21
